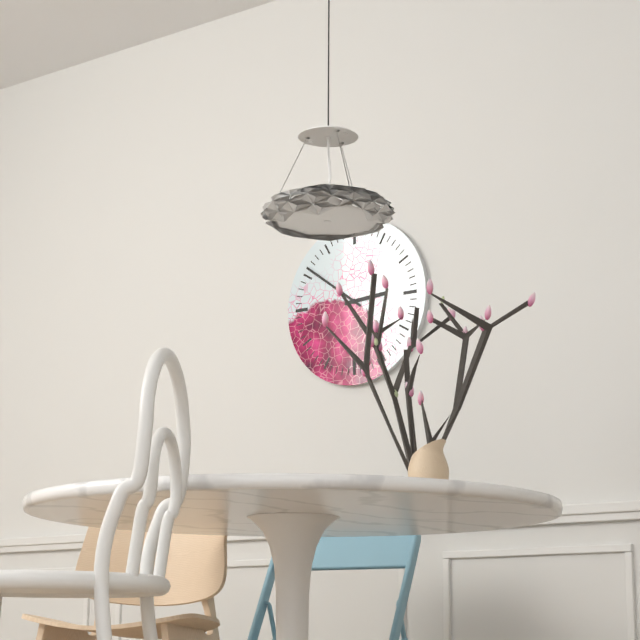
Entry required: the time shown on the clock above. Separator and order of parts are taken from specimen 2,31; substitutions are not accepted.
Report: 2,51
